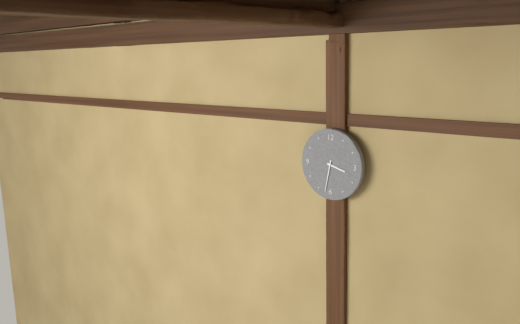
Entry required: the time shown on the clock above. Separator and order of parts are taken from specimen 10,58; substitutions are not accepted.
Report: 3,32
